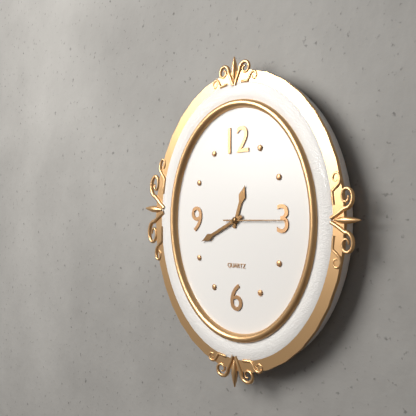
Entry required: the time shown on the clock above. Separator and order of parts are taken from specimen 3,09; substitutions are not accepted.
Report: 12,41
